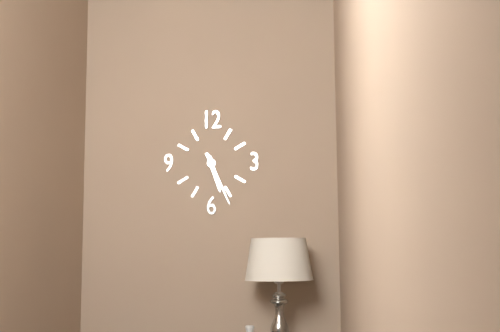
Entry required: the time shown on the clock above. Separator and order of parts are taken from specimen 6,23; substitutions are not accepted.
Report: 5,26
